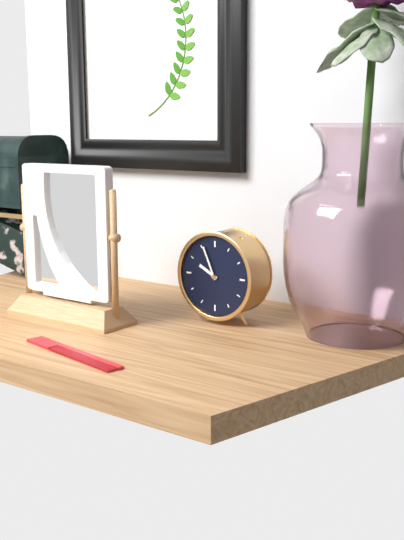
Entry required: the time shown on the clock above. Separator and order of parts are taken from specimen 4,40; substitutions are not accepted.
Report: 9,56
